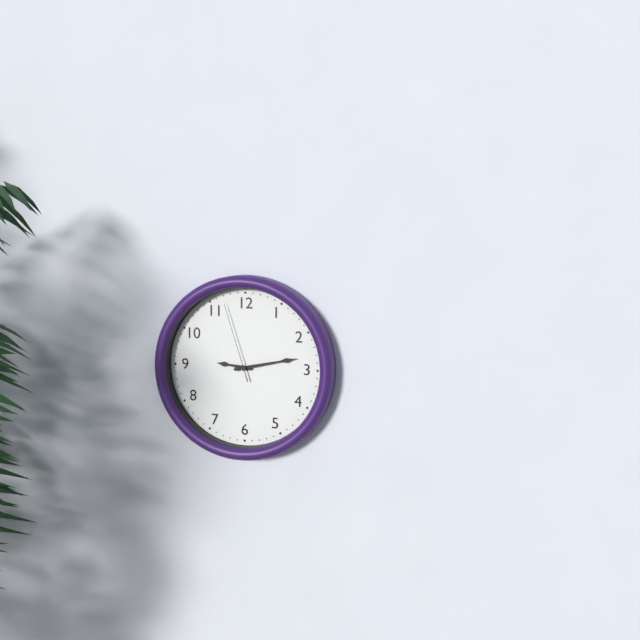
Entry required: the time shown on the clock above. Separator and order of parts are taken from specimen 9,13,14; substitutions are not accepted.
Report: 9,13,57
